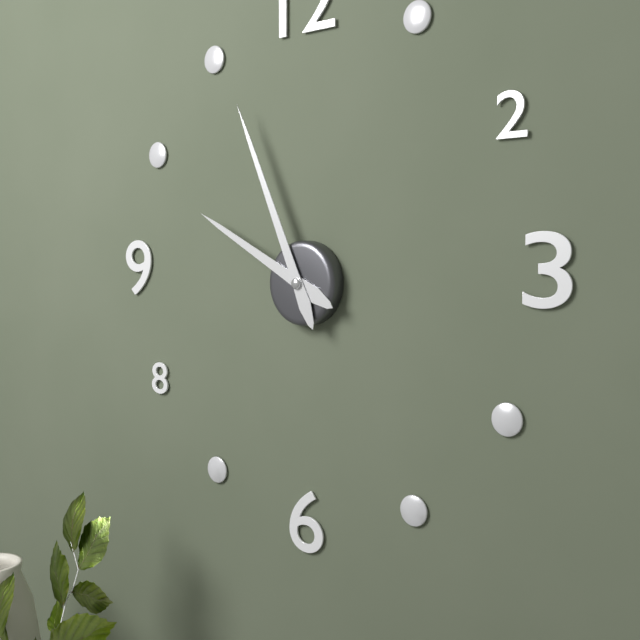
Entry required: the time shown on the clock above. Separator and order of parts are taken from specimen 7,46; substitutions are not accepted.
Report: 9,56
